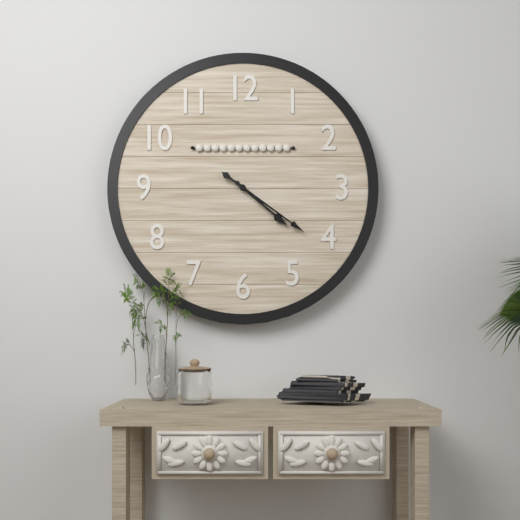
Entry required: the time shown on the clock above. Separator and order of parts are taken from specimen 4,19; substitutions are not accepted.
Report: 4,21
